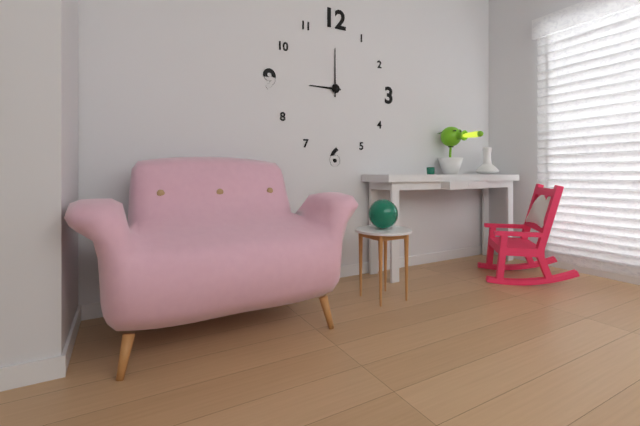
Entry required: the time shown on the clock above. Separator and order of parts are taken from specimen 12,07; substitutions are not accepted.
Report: 9,00
